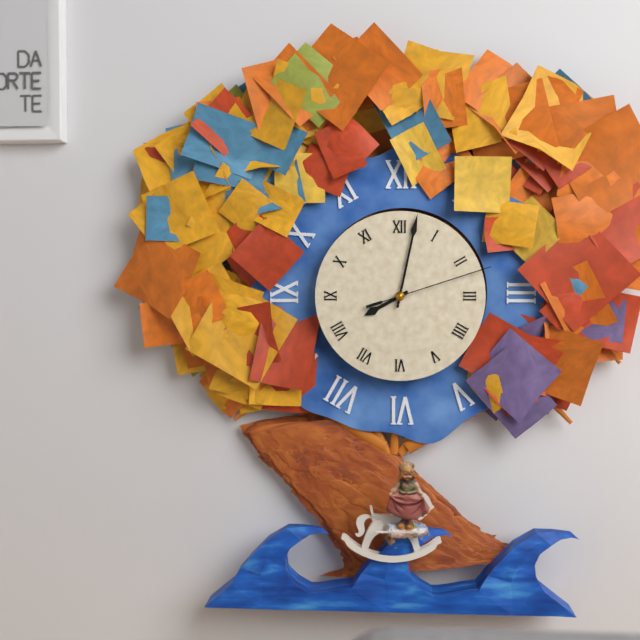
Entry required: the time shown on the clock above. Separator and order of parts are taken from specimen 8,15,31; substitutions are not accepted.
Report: 8,02,12
